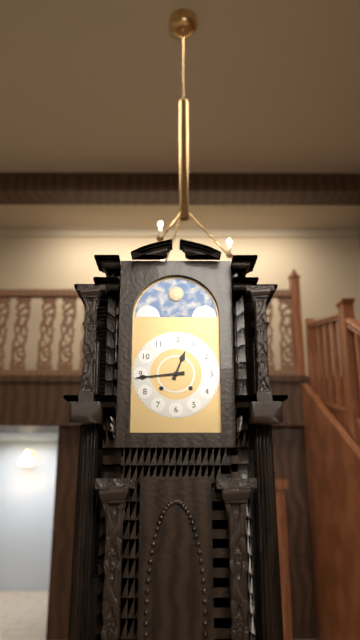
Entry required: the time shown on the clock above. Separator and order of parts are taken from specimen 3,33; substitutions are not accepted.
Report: 12,44
